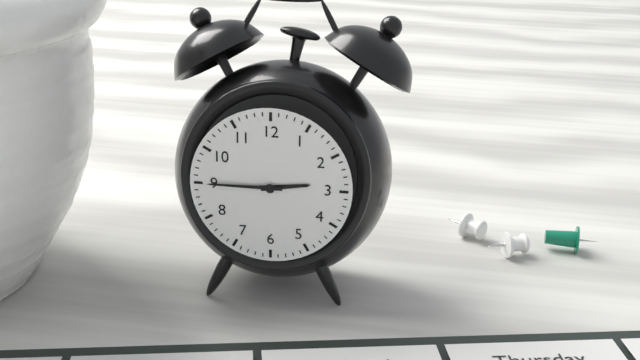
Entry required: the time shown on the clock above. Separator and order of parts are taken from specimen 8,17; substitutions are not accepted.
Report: 2,45
